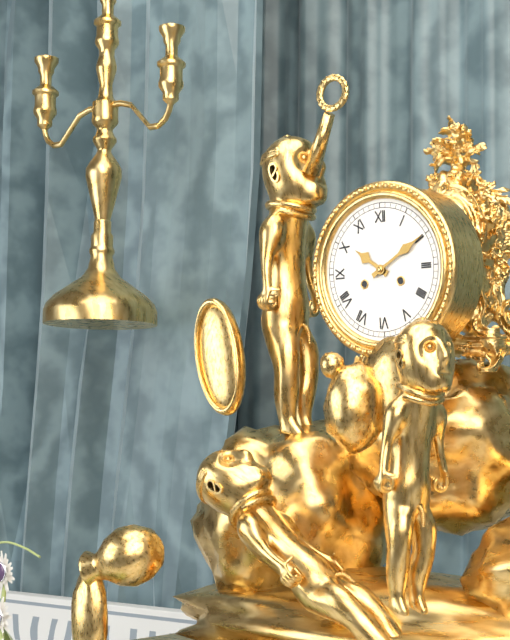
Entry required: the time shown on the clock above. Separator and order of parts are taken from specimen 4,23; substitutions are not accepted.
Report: 10,10
